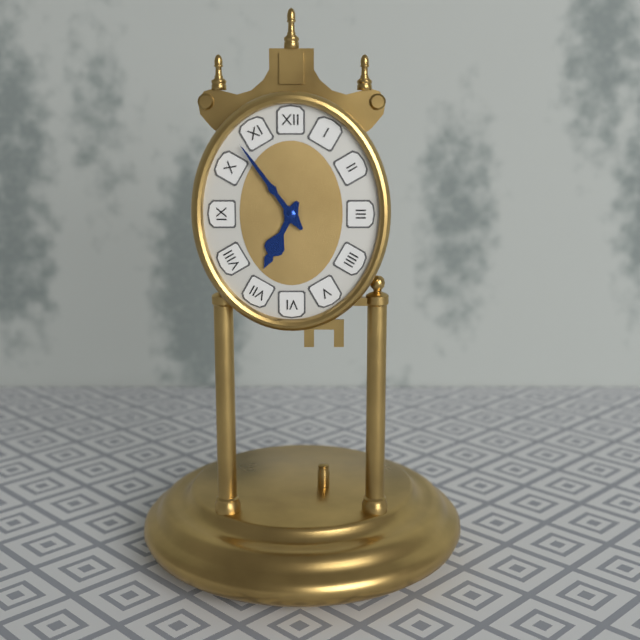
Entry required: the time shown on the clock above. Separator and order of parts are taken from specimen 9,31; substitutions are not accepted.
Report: 6,54
